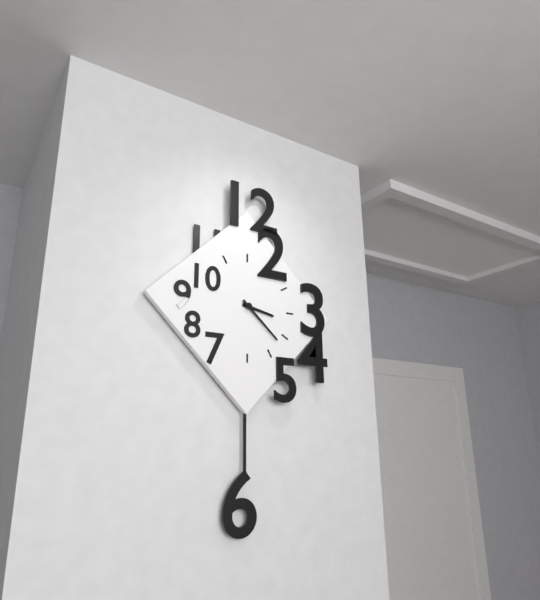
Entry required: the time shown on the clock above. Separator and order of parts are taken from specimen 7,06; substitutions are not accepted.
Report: 3,22
